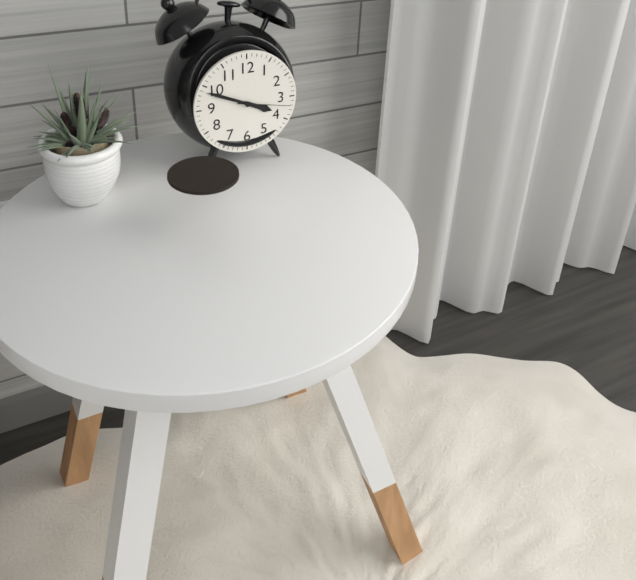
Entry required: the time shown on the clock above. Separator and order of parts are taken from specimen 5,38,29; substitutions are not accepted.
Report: 3,49,17
